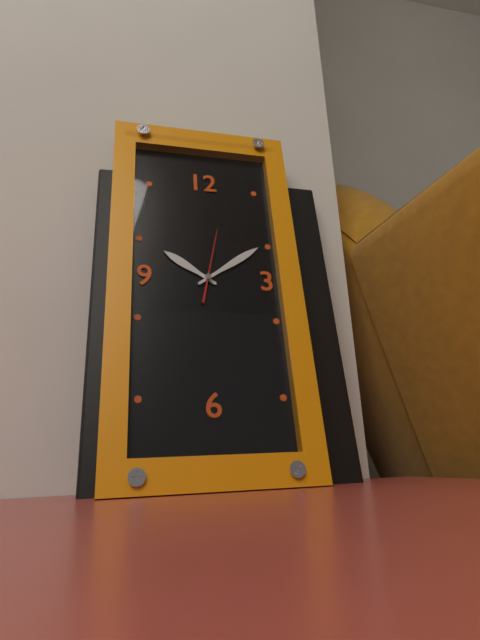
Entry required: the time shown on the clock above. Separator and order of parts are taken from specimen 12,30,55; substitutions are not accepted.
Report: 10,09,02
